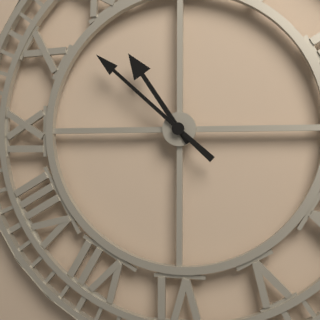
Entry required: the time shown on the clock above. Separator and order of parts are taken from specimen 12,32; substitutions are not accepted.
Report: 10,52
